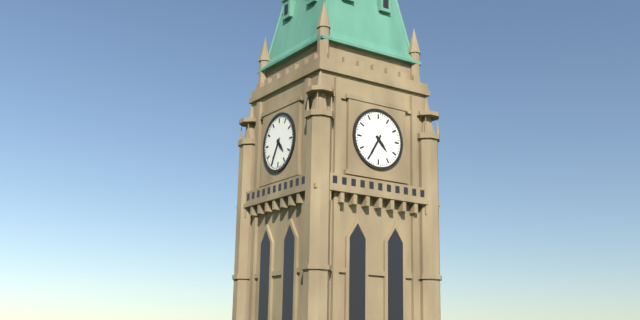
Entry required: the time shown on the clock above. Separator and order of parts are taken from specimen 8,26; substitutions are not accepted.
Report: 4,35
